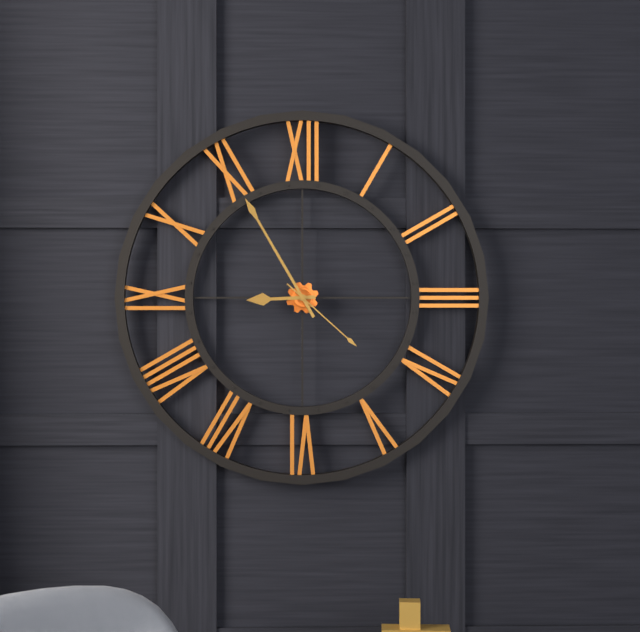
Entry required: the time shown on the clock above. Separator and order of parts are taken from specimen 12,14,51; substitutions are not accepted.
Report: 8,55,22
